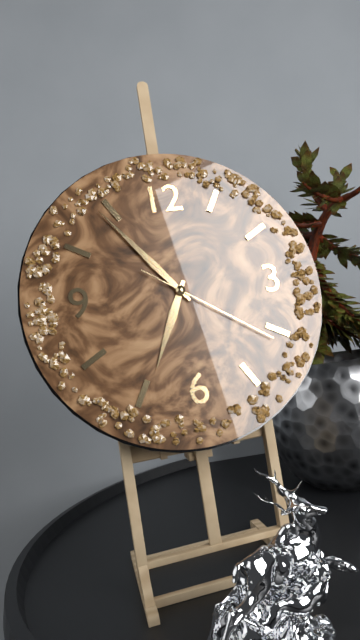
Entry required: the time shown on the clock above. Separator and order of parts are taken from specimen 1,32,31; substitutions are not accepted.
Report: 6,54,21
